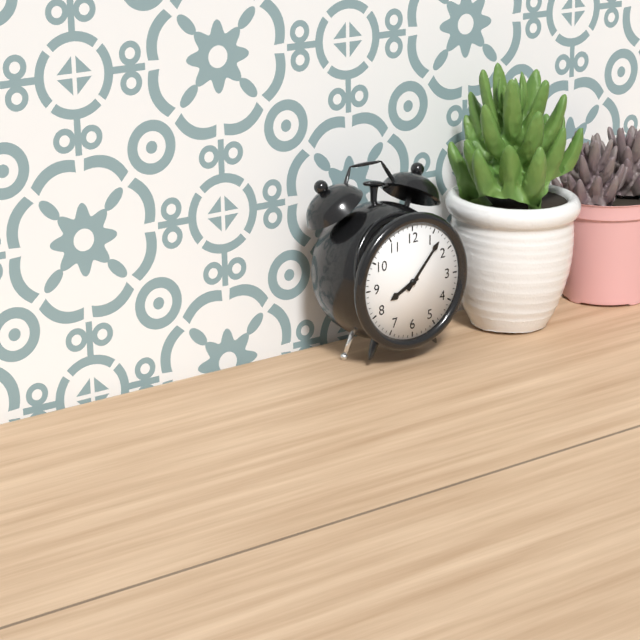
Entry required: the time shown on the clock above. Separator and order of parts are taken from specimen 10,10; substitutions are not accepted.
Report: 8,07
